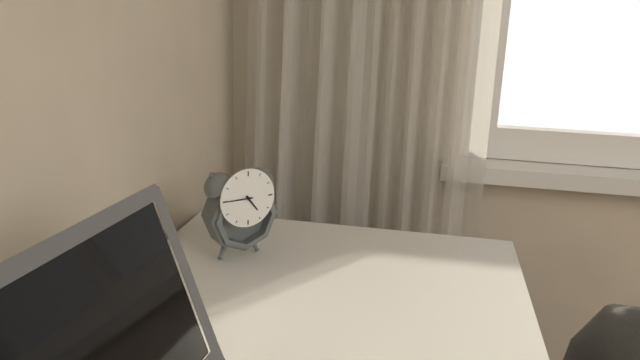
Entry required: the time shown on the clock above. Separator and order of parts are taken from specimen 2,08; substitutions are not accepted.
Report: 4,45
